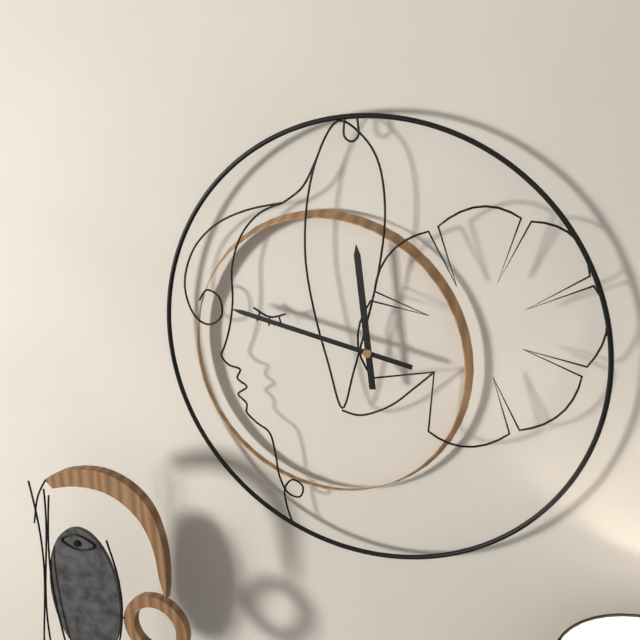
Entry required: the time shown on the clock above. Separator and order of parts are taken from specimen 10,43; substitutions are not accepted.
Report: 11,47
